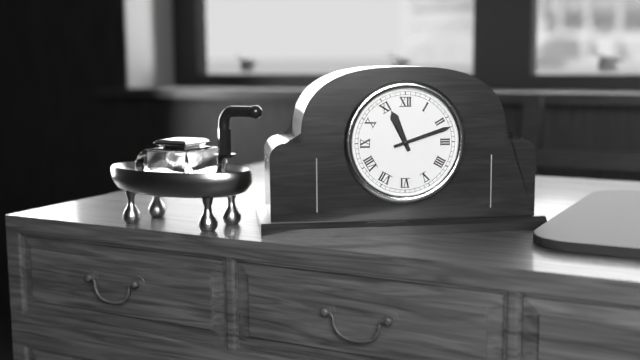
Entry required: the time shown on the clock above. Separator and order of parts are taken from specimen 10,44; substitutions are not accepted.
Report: 11,12
